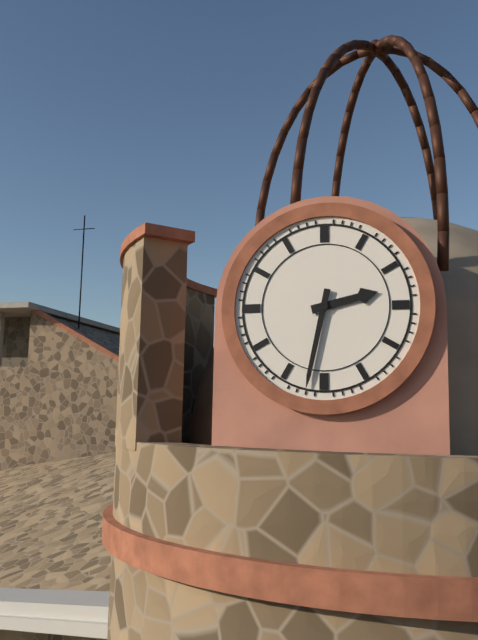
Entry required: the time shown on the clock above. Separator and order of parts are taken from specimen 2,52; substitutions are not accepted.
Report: 2,32
